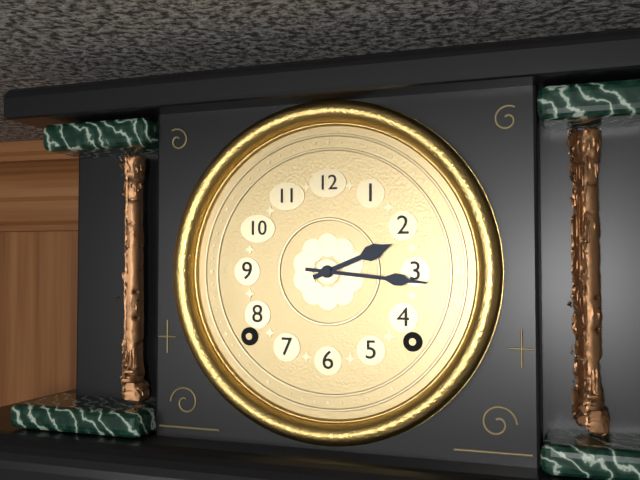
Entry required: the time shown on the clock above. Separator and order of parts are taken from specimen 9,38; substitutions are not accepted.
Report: 2,16
